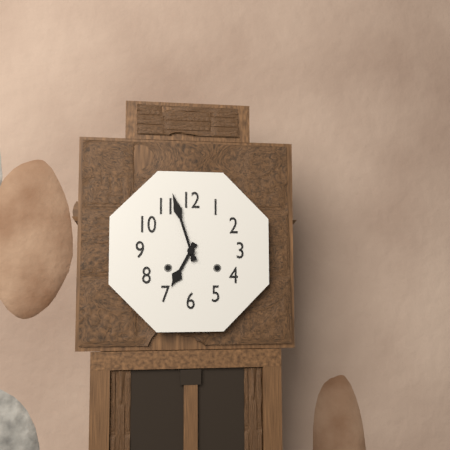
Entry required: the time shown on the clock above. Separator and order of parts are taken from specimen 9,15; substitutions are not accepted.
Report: 6,57
